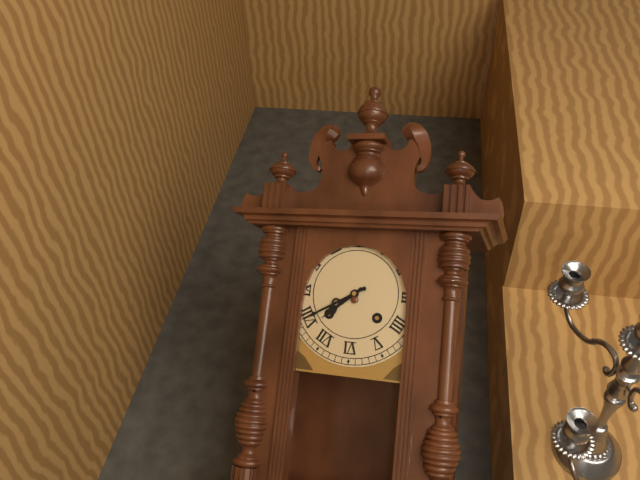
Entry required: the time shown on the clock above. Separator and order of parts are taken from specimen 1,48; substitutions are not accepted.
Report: 7,40
